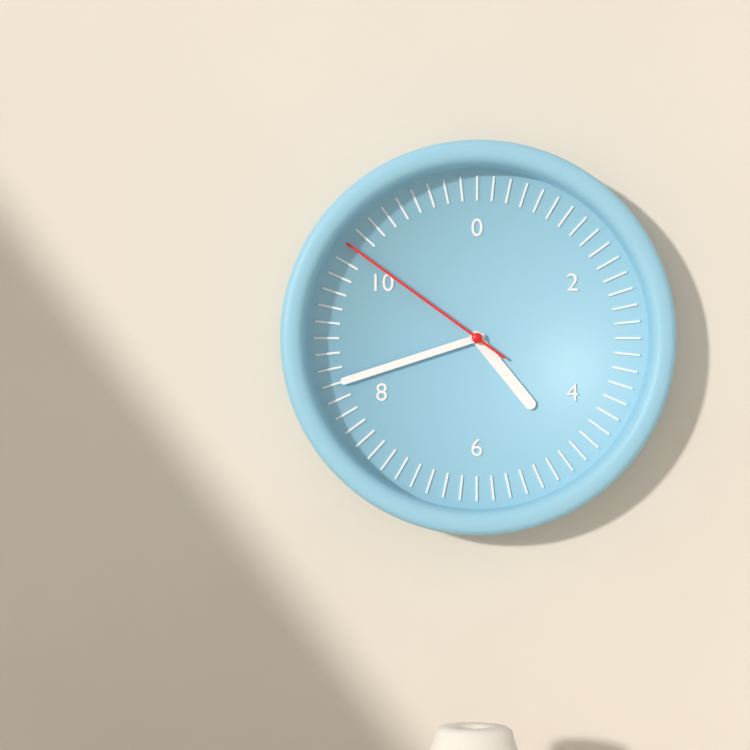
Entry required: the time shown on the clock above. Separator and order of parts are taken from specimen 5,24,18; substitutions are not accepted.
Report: 4,42,51
